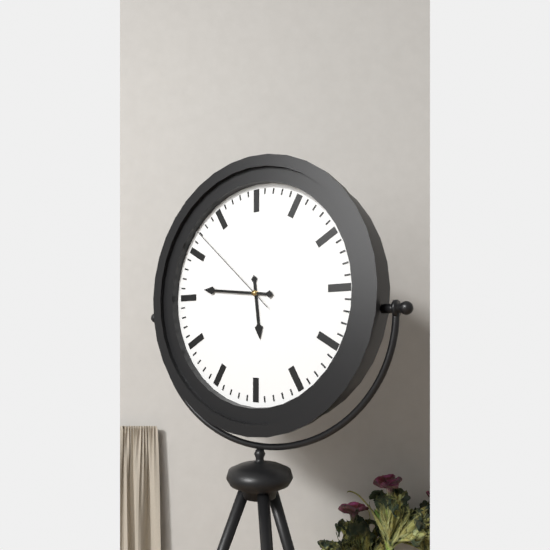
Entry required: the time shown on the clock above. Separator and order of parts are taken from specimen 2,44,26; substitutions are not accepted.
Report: 5,46,52
